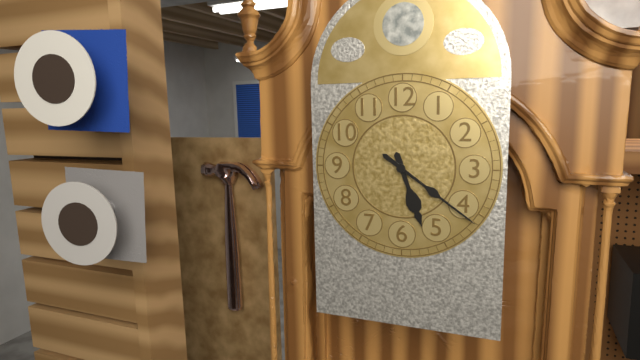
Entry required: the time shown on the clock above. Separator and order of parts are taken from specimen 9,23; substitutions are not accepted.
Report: 5,21
